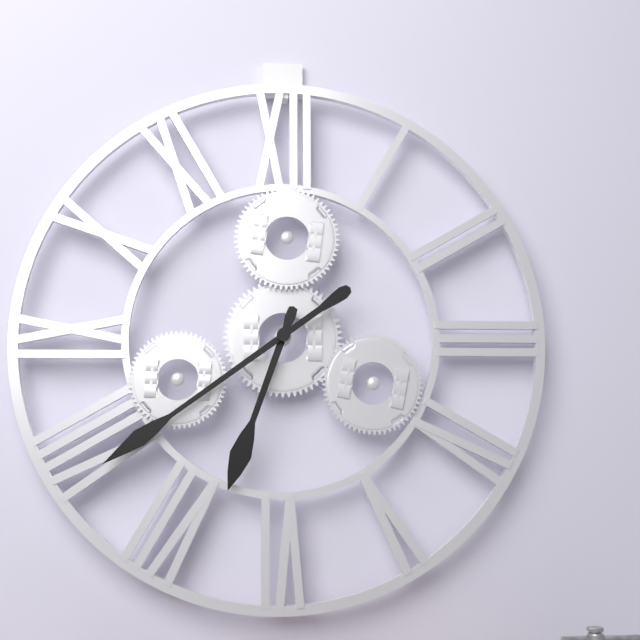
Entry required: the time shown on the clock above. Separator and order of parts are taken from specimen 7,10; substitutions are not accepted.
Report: 6,39
